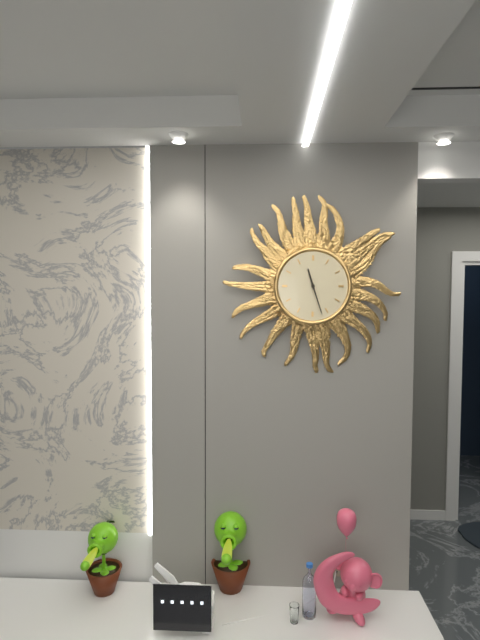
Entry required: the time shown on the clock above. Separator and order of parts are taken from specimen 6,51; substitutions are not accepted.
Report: 11,27
